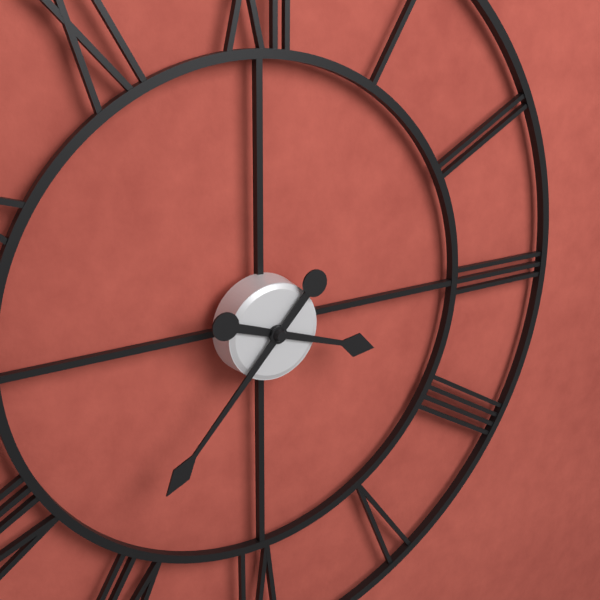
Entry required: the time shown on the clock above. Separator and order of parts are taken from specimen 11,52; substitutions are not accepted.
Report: 3,37
